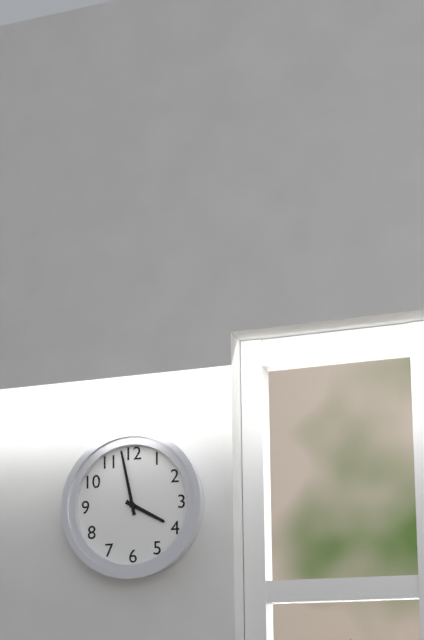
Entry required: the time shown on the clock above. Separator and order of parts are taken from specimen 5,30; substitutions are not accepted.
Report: 3,58
